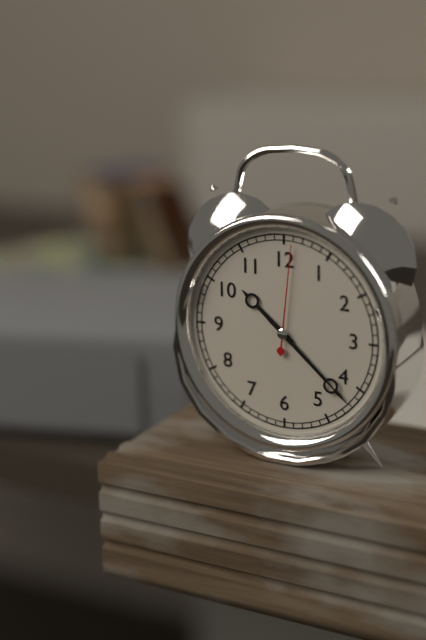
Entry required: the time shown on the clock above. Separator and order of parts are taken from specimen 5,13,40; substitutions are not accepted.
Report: 10,22,01
